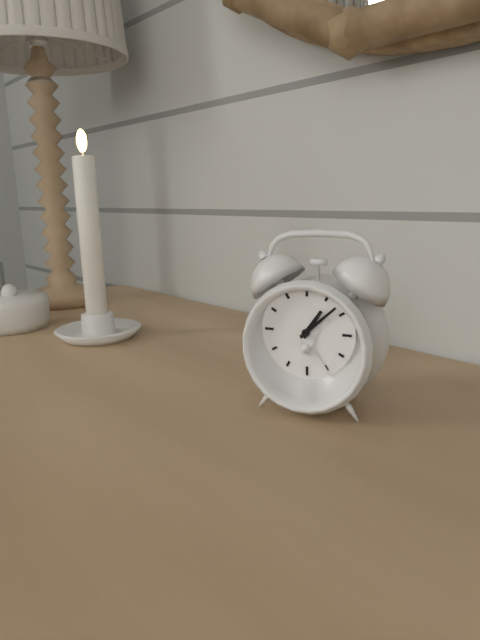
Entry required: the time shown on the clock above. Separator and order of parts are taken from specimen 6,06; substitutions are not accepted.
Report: 1,08
